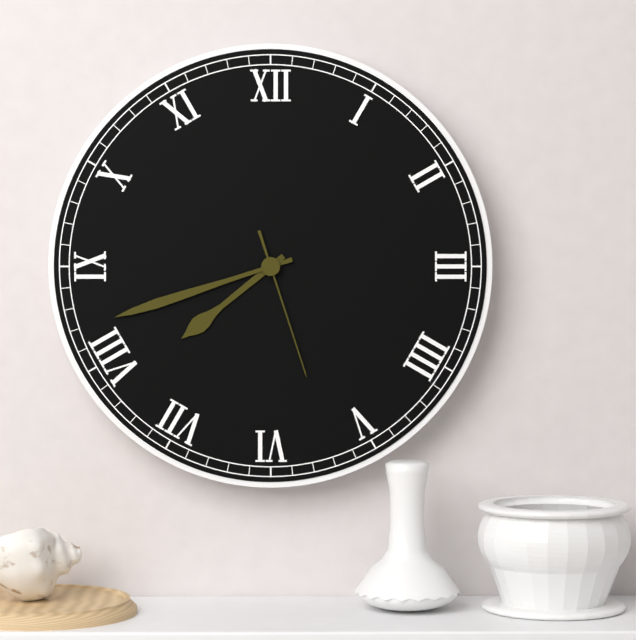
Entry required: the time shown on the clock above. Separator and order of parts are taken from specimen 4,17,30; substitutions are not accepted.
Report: 7,42,27
